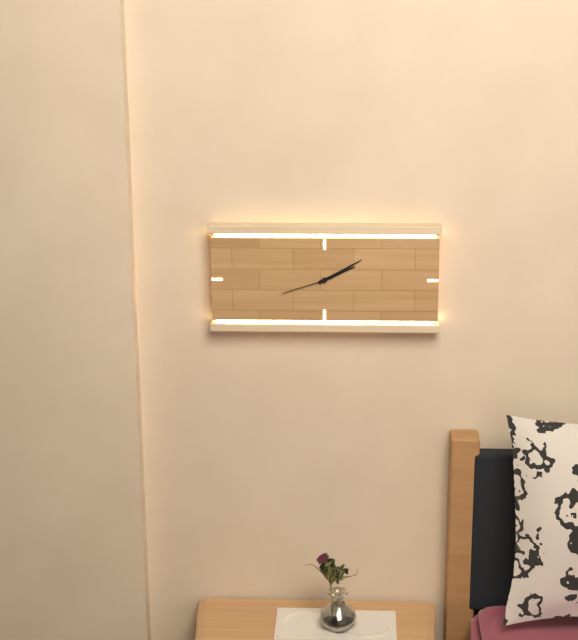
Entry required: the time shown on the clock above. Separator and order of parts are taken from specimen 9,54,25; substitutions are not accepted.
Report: 2,10,42
